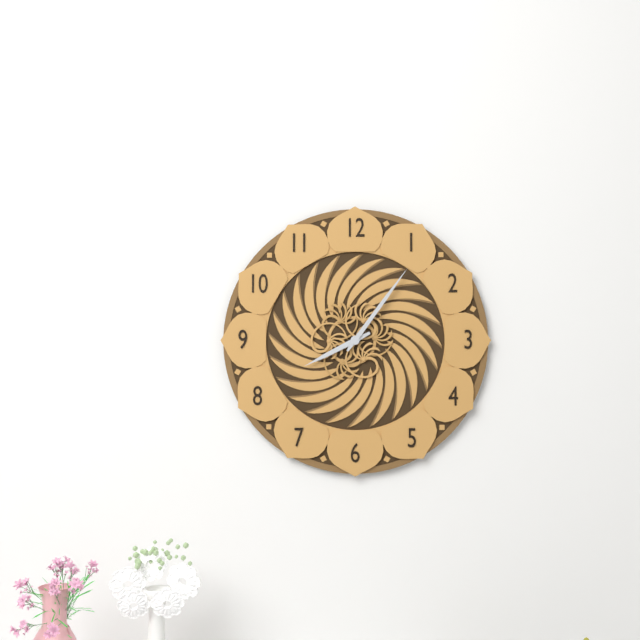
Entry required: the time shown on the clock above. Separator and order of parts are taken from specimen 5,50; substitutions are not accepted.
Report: 8,06
